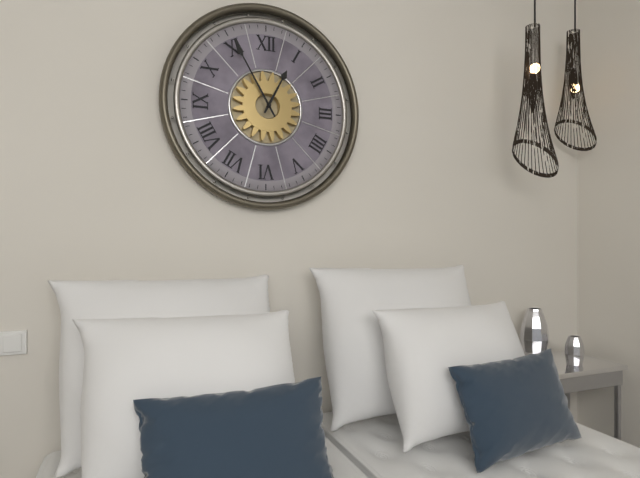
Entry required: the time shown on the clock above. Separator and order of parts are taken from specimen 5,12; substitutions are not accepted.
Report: 12,55
